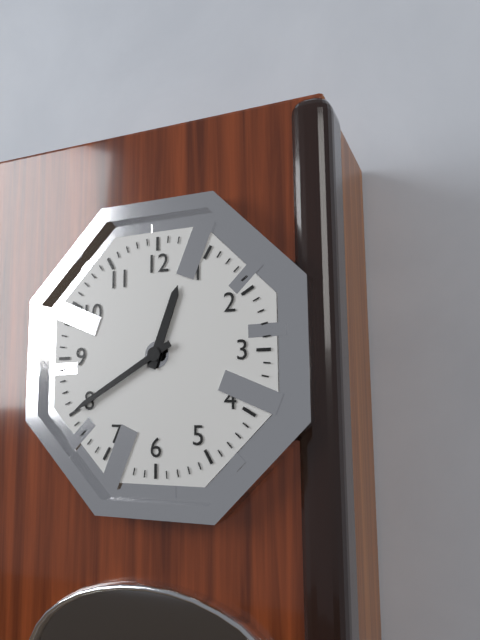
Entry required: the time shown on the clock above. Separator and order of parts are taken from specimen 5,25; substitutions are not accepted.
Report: 12,40
